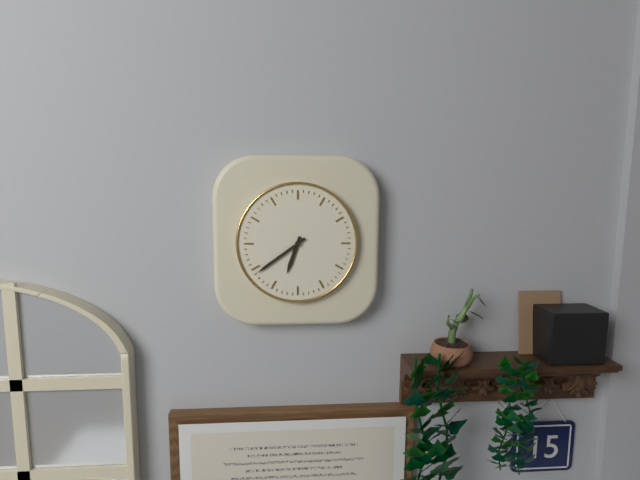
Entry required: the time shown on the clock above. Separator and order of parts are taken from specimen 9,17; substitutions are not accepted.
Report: 6,39
